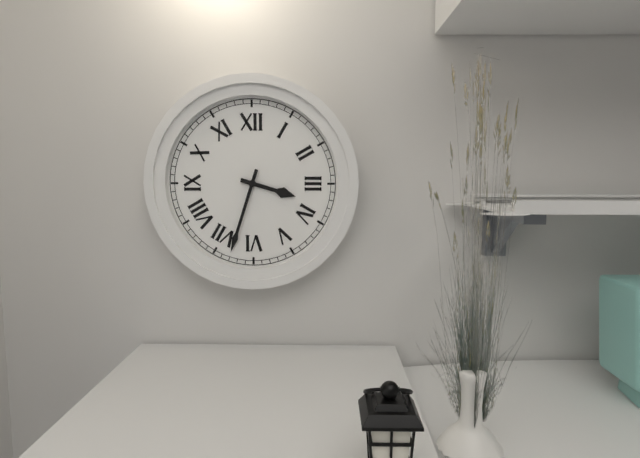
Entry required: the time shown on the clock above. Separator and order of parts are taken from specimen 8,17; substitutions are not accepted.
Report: 3,33
